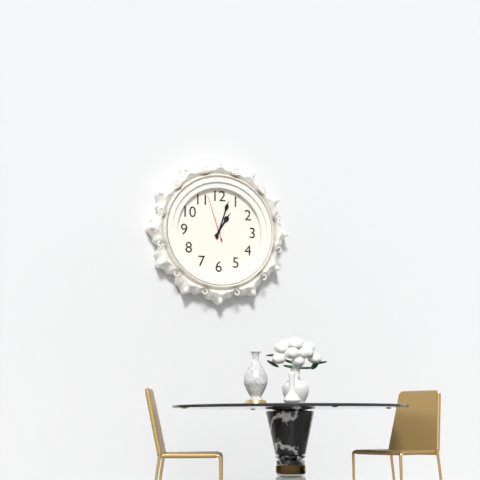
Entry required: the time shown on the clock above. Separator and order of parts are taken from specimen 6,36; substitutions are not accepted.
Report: 1,03
